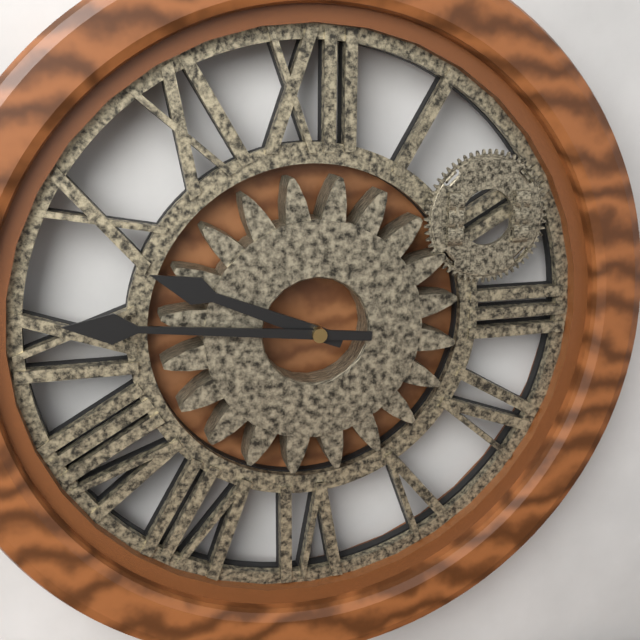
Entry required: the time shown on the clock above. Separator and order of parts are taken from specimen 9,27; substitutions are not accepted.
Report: 9,46
